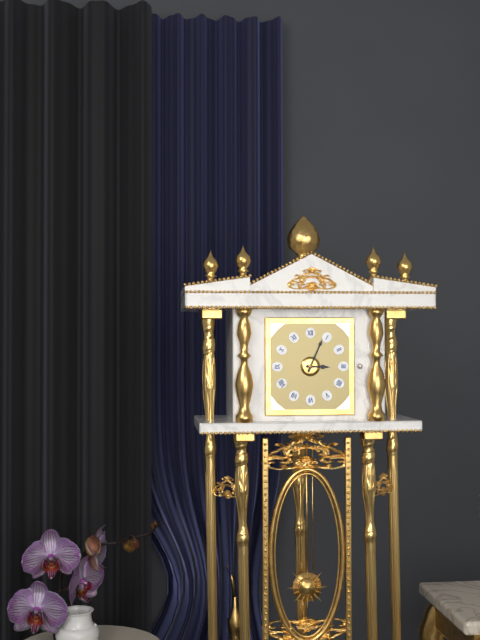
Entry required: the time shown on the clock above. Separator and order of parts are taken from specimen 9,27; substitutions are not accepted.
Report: 3,04
